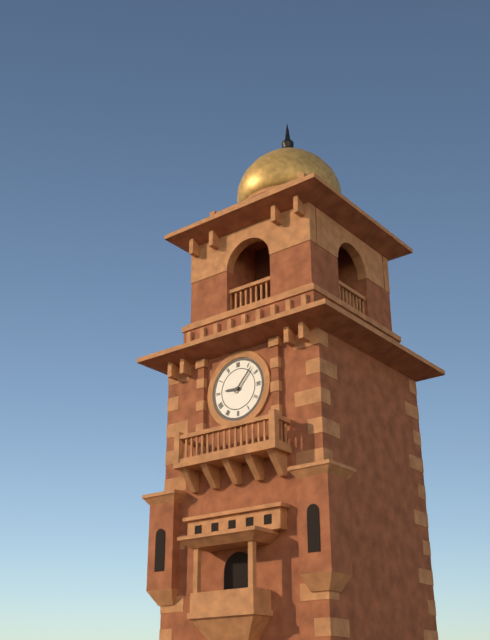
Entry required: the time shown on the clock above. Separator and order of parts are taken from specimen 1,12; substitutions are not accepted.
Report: 9,07
